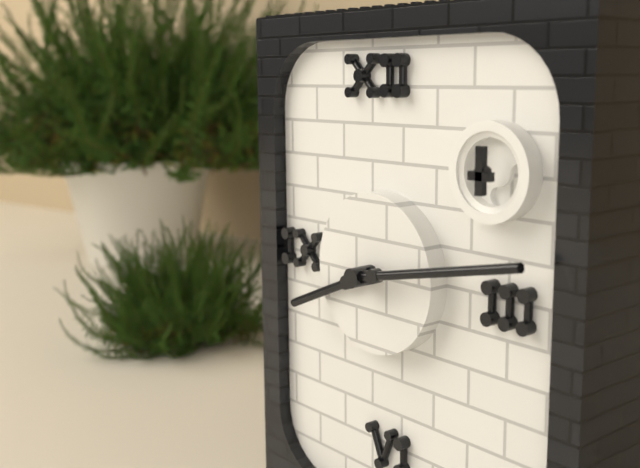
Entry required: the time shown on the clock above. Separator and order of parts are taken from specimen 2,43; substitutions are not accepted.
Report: 8,13
